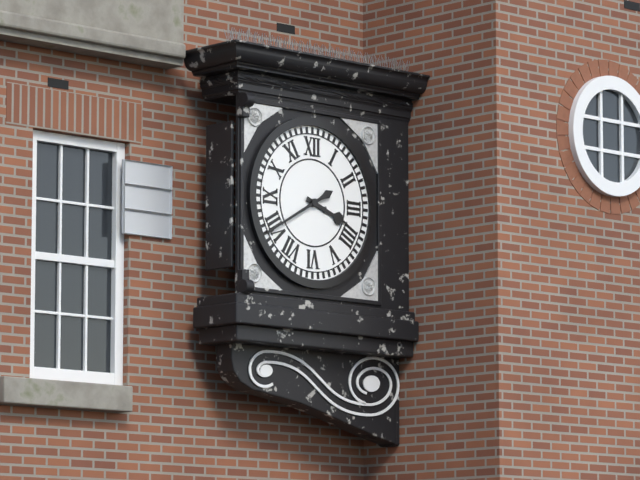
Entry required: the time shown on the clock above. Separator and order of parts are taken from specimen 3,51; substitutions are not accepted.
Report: 3,40
